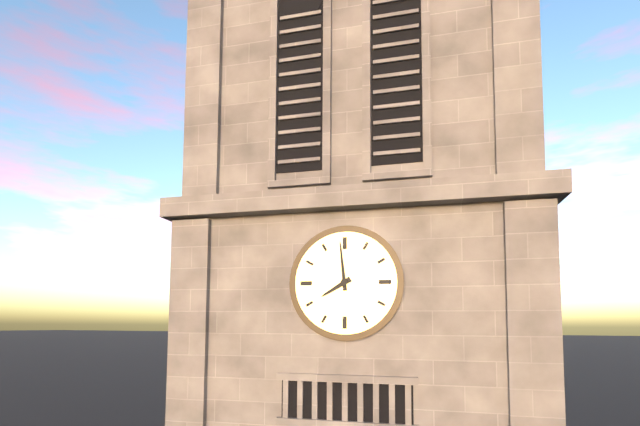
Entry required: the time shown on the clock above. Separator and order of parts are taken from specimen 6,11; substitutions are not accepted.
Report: 7,59
